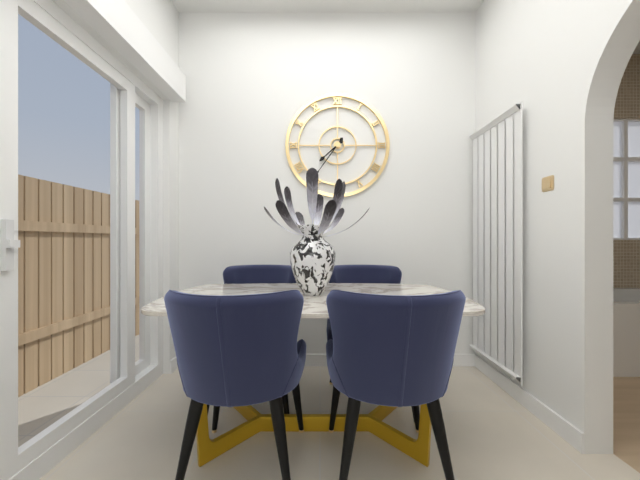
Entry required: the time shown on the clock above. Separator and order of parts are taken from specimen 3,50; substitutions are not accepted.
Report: 7,36
